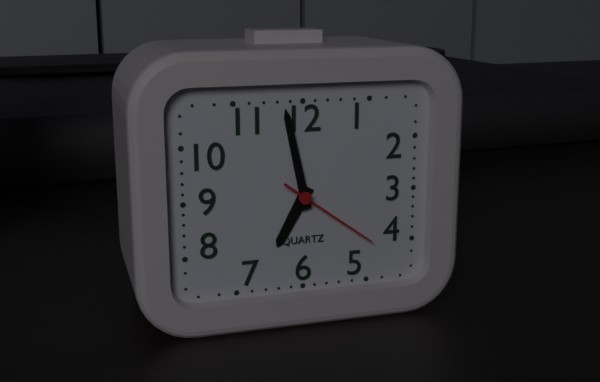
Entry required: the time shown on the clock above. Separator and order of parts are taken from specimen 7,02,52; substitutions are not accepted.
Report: 6,58,21
